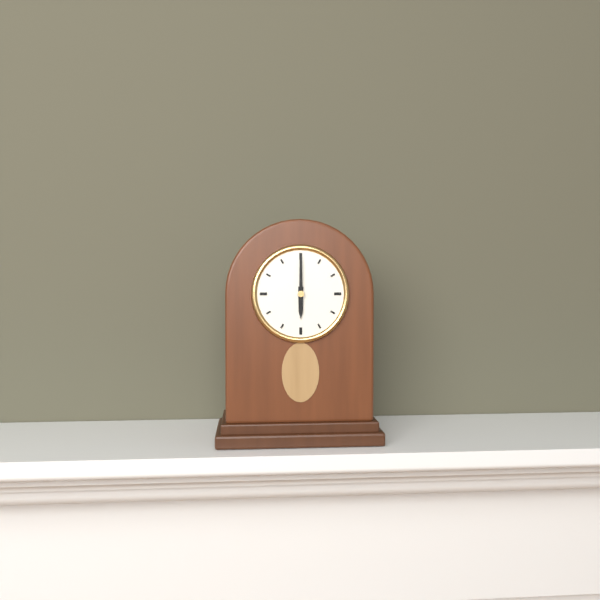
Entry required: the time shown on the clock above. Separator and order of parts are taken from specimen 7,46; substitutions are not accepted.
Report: 6,00
